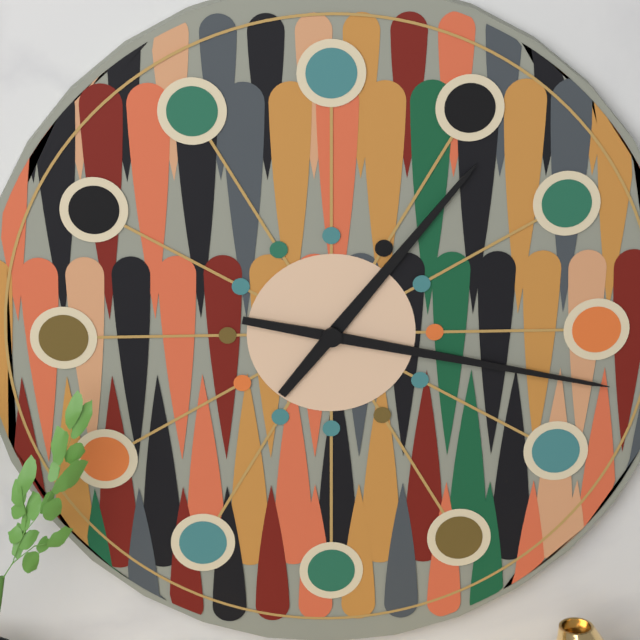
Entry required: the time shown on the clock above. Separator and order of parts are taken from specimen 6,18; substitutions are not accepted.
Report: 1,17
